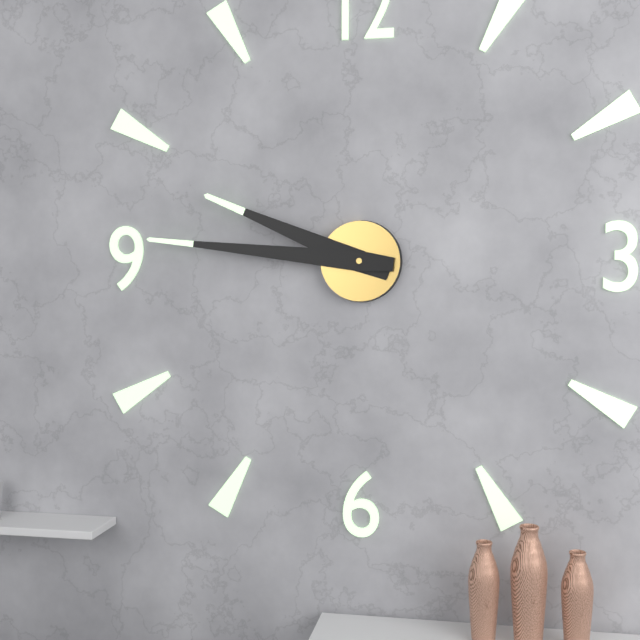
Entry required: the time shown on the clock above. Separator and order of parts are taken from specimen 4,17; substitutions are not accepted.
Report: 9,46
